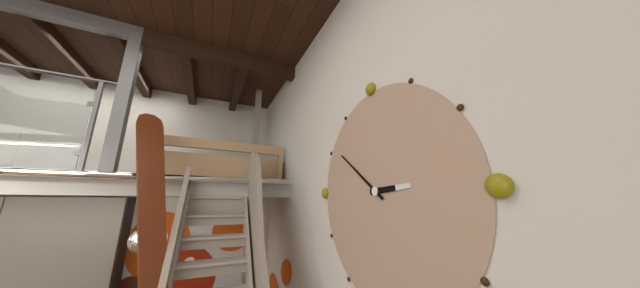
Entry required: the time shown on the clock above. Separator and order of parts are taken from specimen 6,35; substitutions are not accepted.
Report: 2,51
